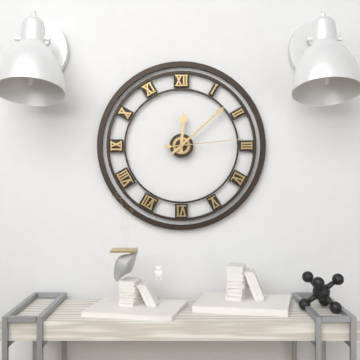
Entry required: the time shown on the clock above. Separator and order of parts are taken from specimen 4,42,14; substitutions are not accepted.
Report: 12,08,14
